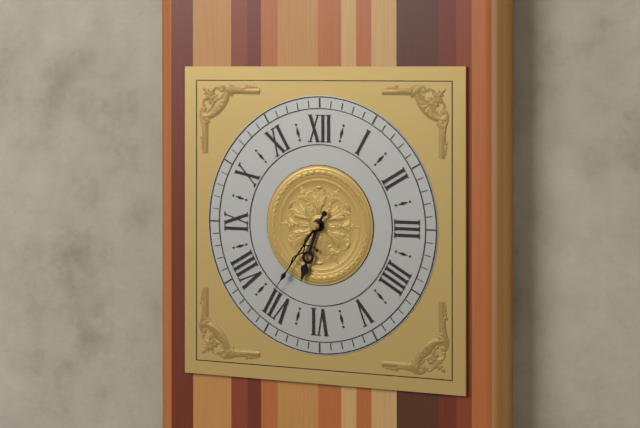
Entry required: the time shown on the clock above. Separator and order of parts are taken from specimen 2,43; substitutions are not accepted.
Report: 6,36
